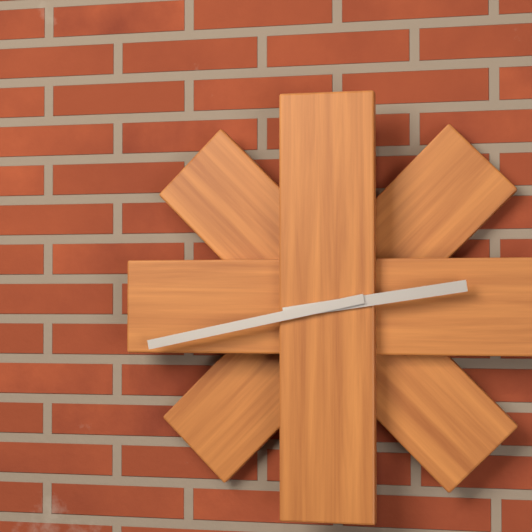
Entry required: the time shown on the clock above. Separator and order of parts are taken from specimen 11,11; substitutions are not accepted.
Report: 2,43
